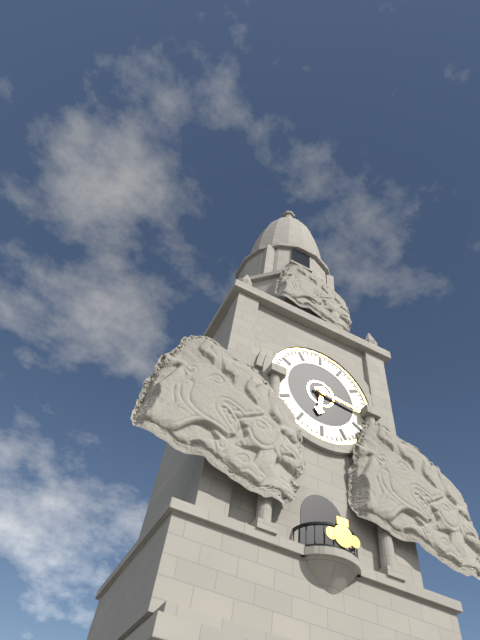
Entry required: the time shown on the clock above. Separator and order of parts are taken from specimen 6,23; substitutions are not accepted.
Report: 6,16
